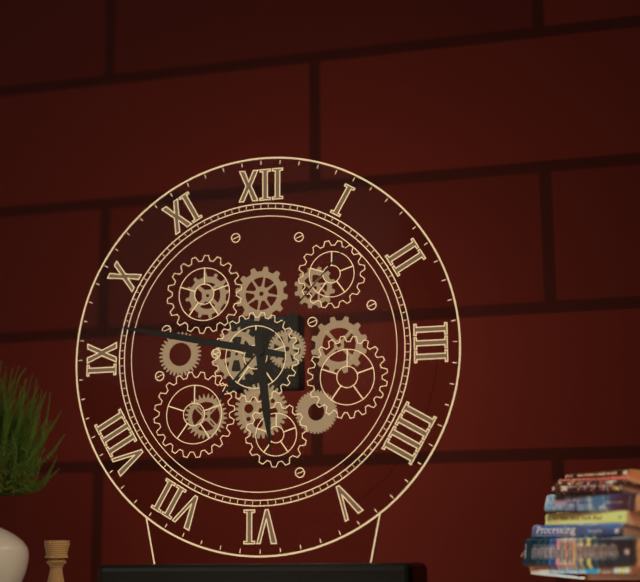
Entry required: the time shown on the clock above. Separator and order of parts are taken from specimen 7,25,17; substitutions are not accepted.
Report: 5,47,07
